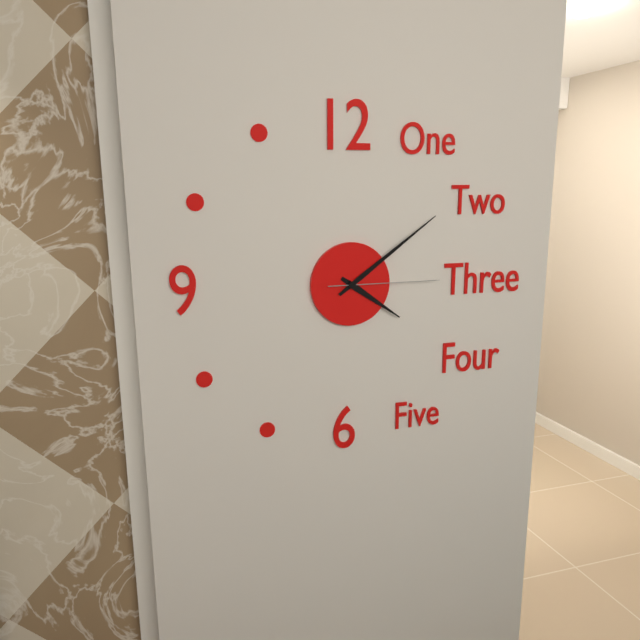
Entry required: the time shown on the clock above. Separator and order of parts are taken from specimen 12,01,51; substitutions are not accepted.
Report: 4,09,15
